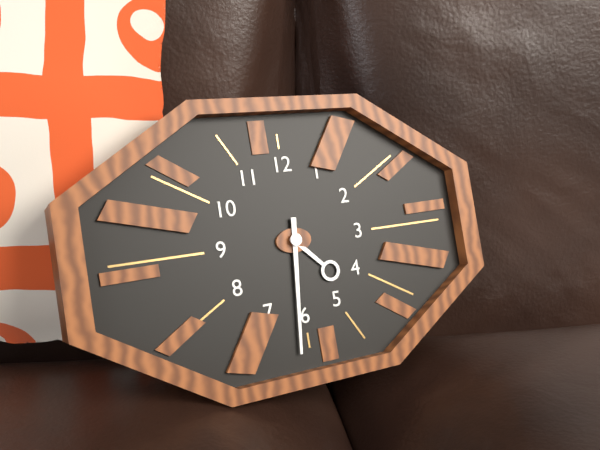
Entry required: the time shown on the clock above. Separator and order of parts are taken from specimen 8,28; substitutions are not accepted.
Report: 4,31
